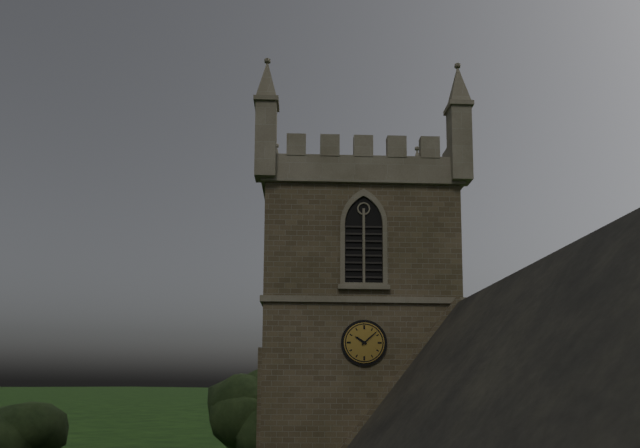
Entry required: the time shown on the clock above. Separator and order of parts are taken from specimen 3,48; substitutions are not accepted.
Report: 10,08
